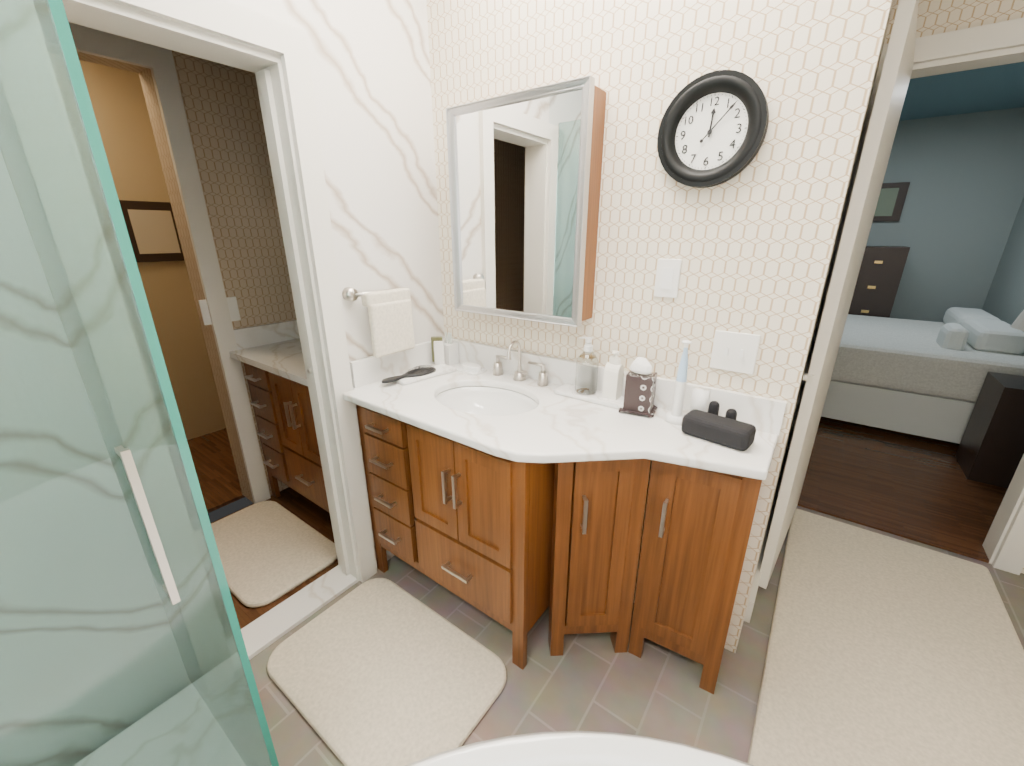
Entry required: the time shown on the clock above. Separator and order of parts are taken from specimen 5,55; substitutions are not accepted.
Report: 12,07
